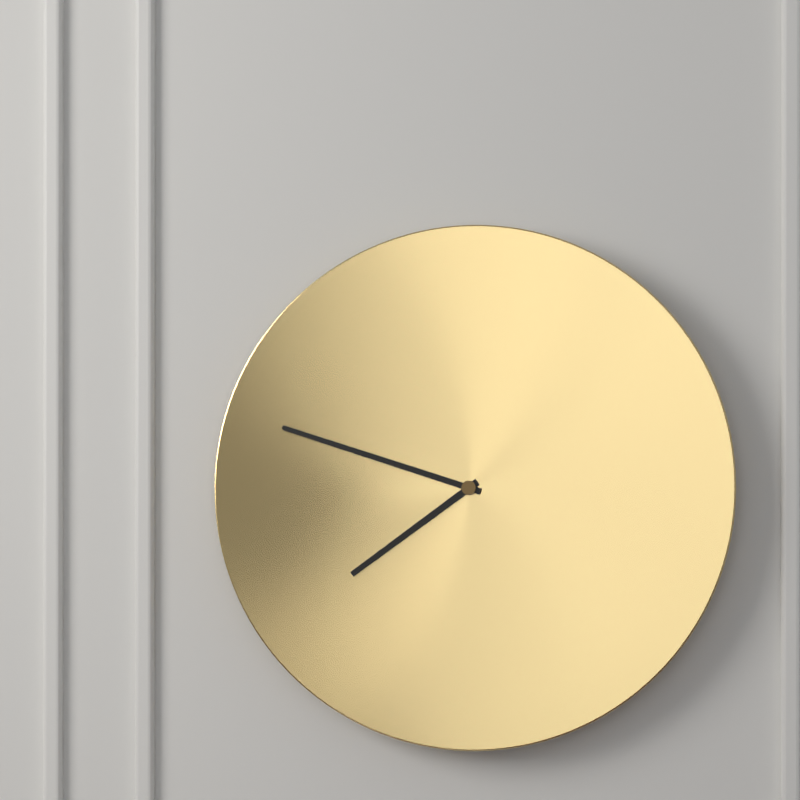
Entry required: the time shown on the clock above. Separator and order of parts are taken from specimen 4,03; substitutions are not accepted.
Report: 7,48
